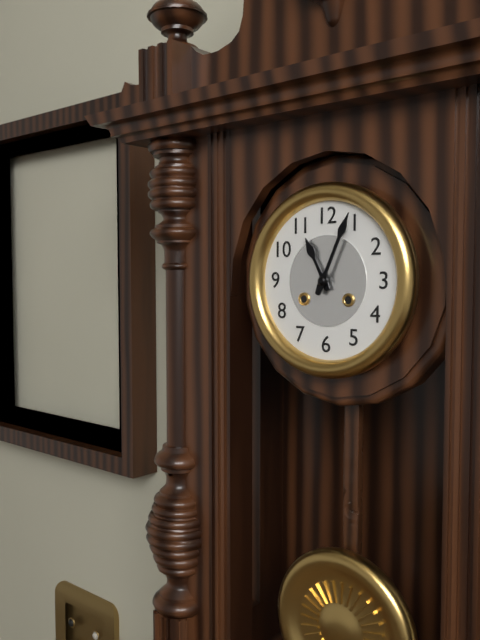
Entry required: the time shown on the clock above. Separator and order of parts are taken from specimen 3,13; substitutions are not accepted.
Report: 11,04
